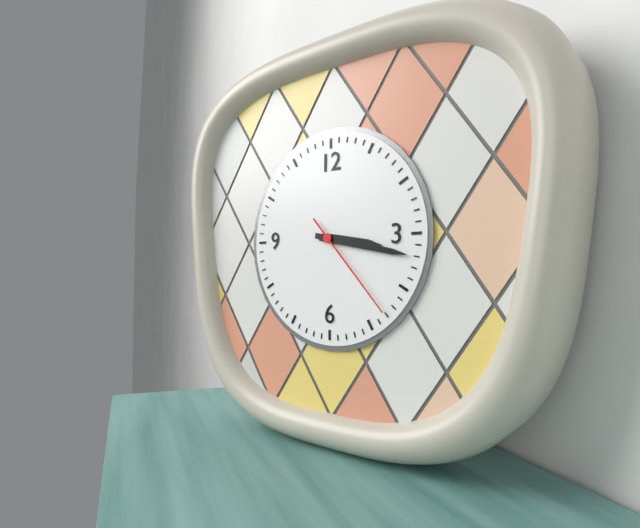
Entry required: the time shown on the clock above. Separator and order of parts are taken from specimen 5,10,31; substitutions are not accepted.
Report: 3,17,23
